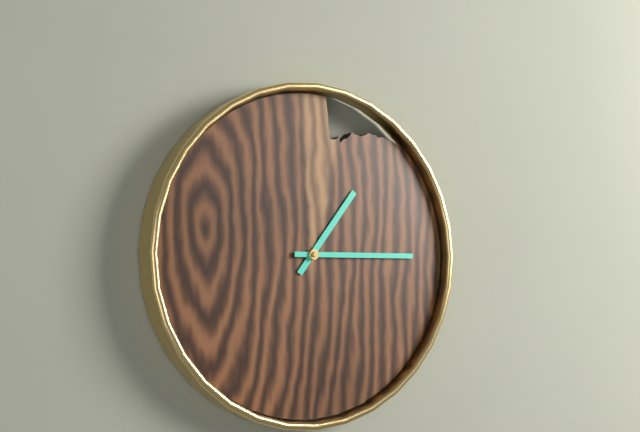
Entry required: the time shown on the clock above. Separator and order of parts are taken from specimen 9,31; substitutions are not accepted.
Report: 1,15
